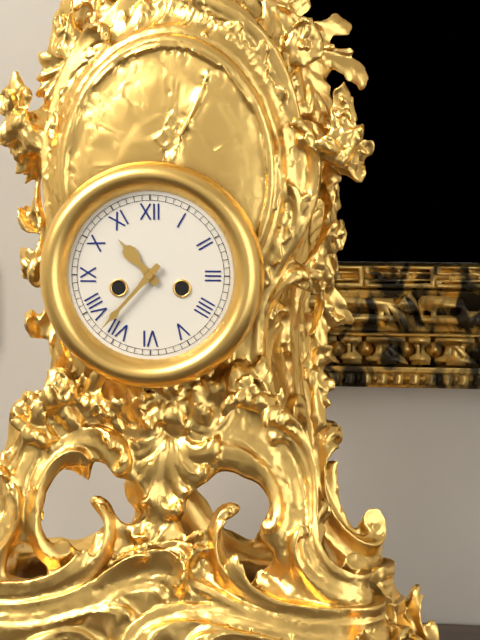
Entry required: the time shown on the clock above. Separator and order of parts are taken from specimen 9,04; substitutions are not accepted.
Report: 10,37
